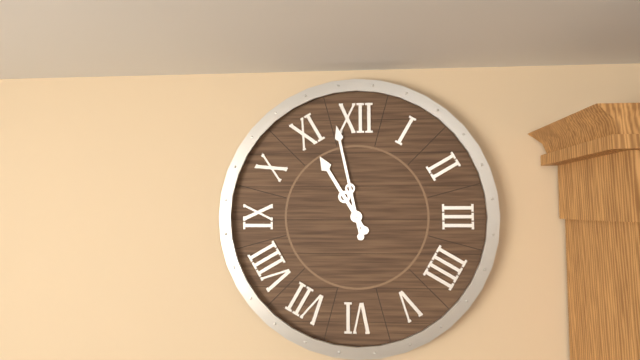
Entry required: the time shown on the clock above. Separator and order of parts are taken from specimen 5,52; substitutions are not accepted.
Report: 10,58
